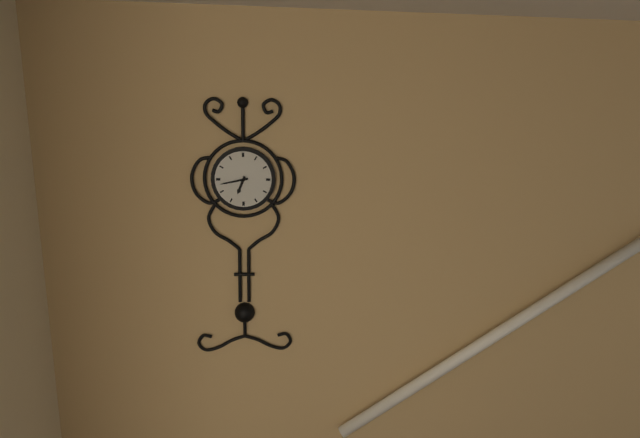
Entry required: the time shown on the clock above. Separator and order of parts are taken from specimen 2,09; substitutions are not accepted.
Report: 6,43
